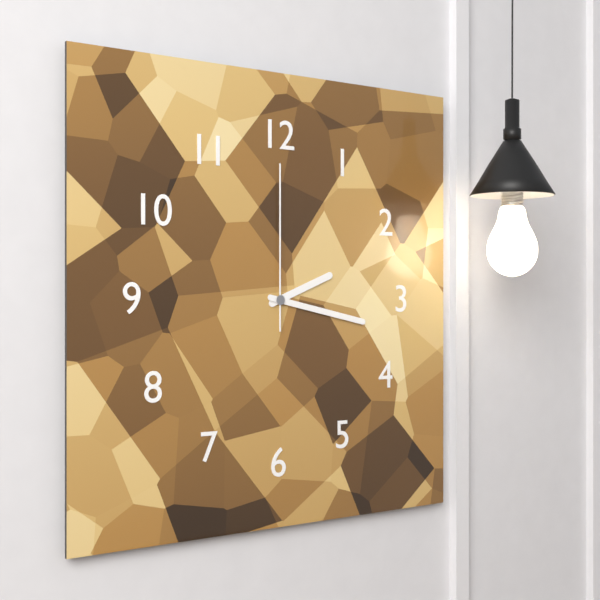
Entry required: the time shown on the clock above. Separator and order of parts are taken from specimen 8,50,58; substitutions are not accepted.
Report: 2,17,00
